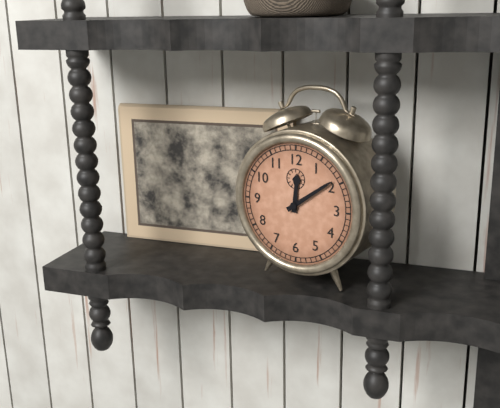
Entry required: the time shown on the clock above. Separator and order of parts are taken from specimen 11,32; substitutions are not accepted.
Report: 12,09
